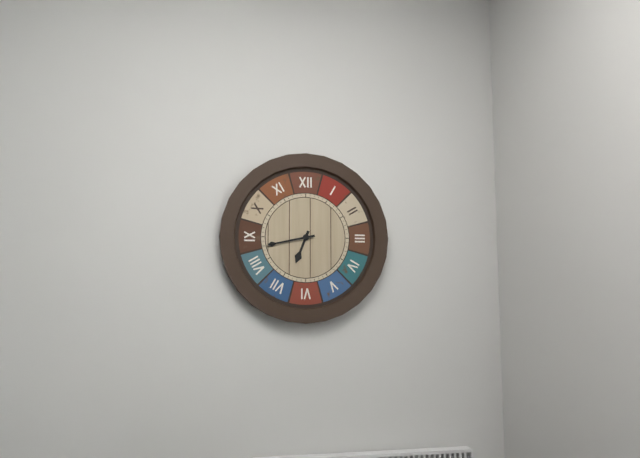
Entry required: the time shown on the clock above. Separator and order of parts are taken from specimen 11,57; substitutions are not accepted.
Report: 6,43
